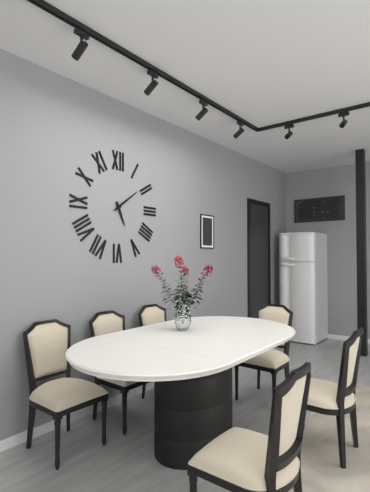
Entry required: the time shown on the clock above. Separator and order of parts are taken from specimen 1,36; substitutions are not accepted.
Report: 5,09
